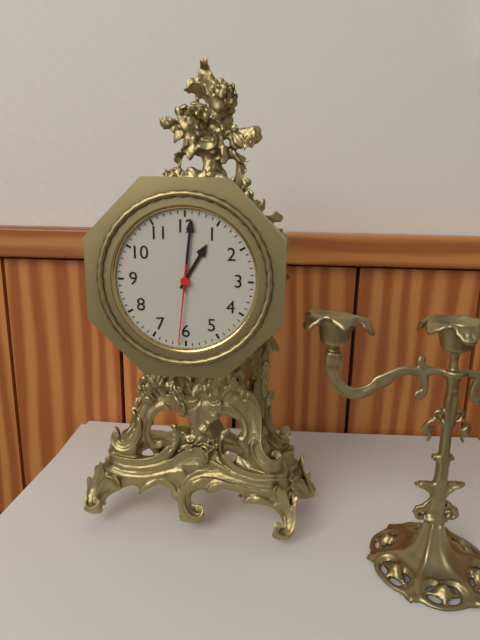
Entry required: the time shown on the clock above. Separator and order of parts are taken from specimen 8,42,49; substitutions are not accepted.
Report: 1,01,31
